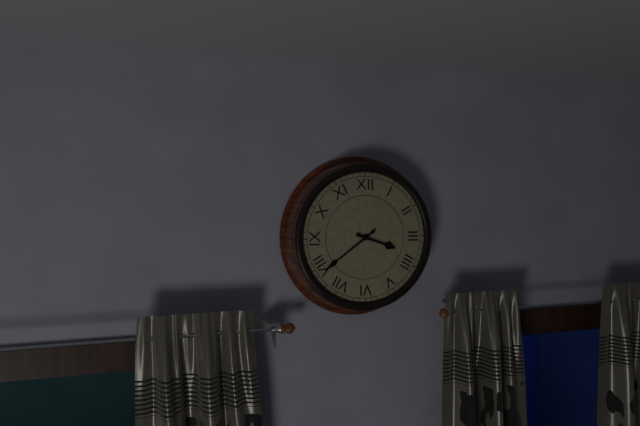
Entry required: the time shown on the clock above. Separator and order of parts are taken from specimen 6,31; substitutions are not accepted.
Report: 3,39
